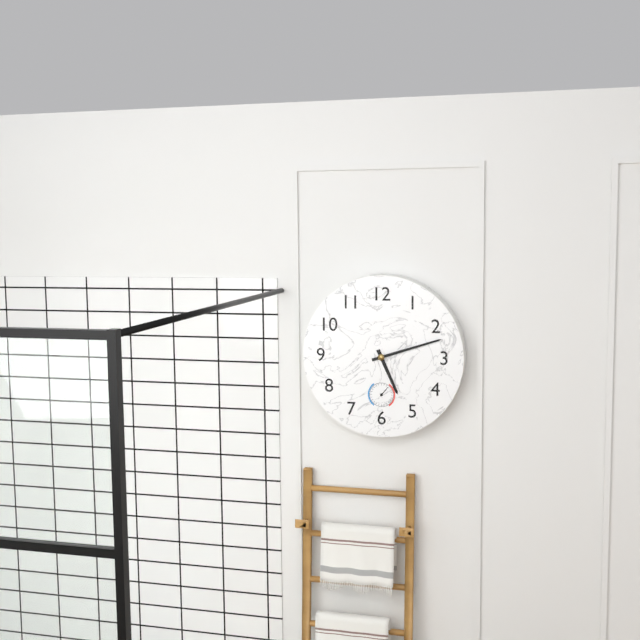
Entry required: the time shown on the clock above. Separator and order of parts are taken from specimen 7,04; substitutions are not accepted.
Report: 5,12
